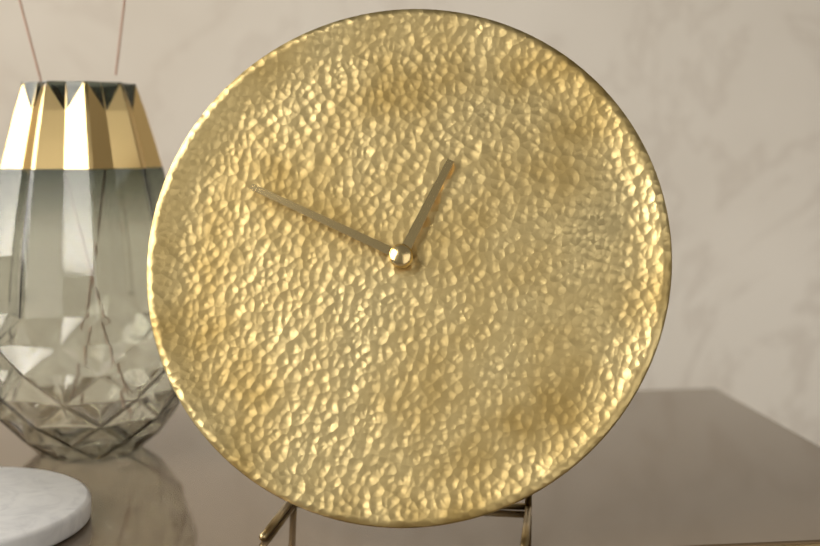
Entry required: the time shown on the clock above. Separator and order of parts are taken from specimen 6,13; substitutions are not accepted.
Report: 12,49
